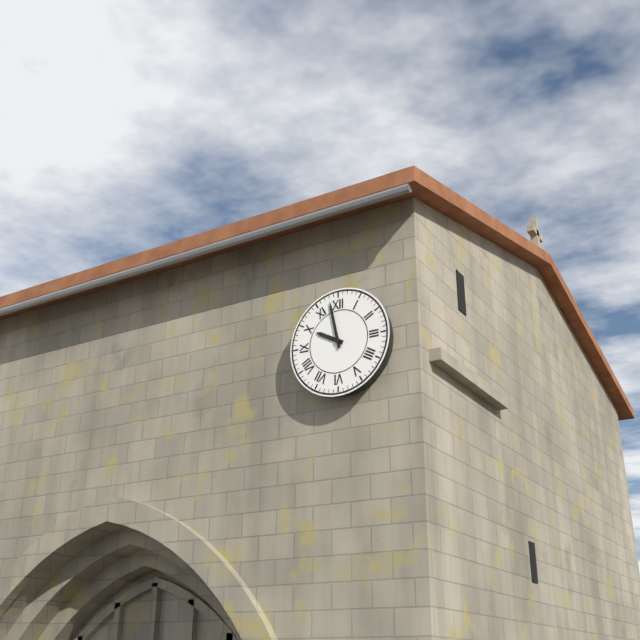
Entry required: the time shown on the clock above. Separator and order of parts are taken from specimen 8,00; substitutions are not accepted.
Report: 9,58
